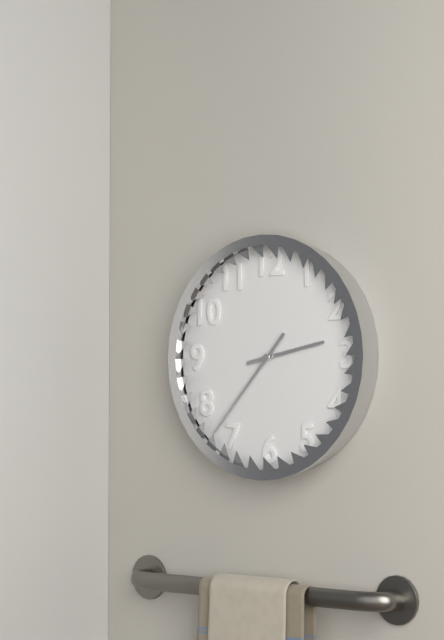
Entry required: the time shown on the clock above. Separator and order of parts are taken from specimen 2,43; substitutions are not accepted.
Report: 2,37
